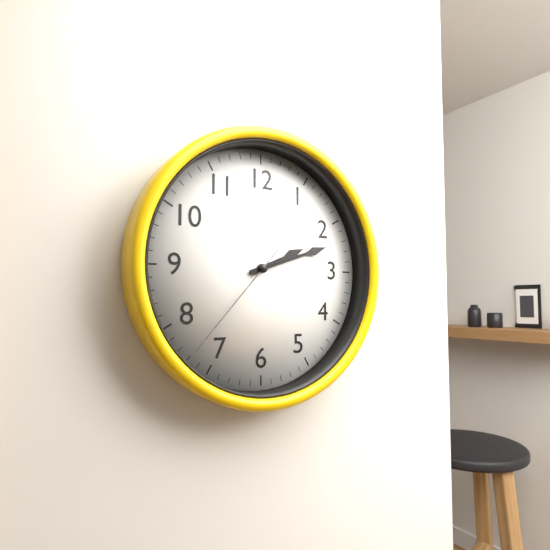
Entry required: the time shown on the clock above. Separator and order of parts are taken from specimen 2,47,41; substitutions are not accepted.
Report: 2,12,37
